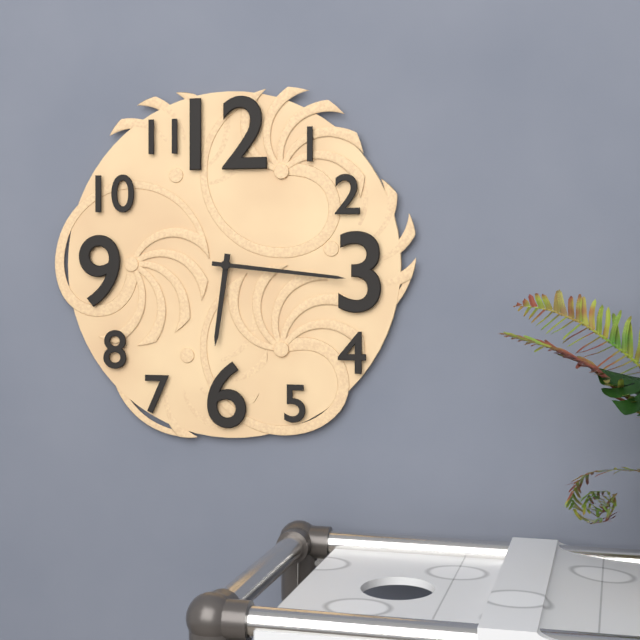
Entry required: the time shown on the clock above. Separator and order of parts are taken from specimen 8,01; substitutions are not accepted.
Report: 6,16
